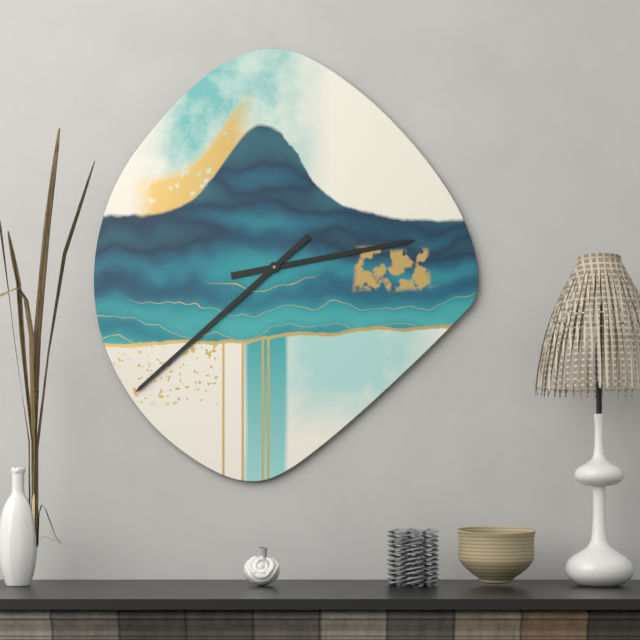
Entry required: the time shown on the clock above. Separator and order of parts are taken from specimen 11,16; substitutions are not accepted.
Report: 2,38
